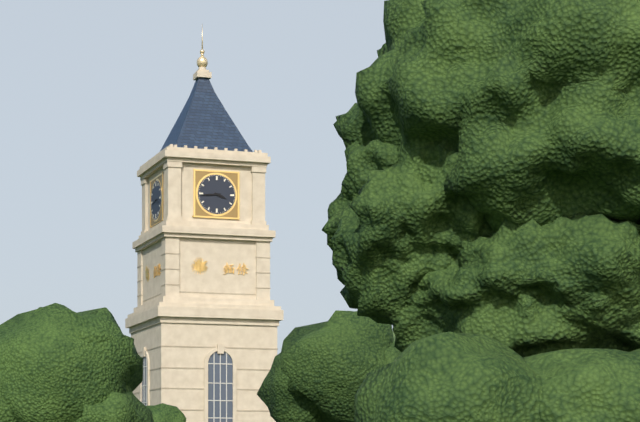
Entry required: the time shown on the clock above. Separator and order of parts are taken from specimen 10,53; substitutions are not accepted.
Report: 3,44
